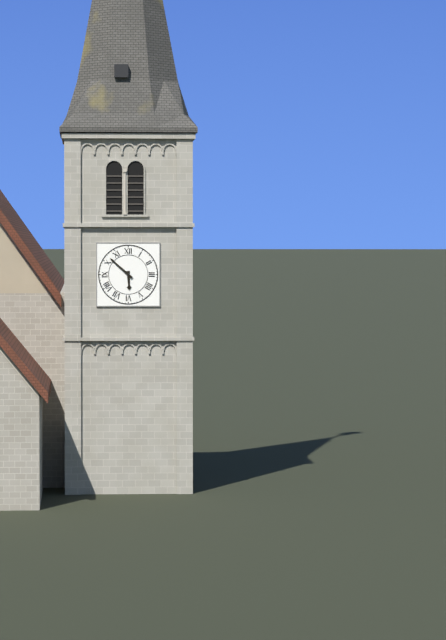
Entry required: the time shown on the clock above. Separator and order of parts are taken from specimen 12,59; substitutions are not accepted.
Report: 5,52
